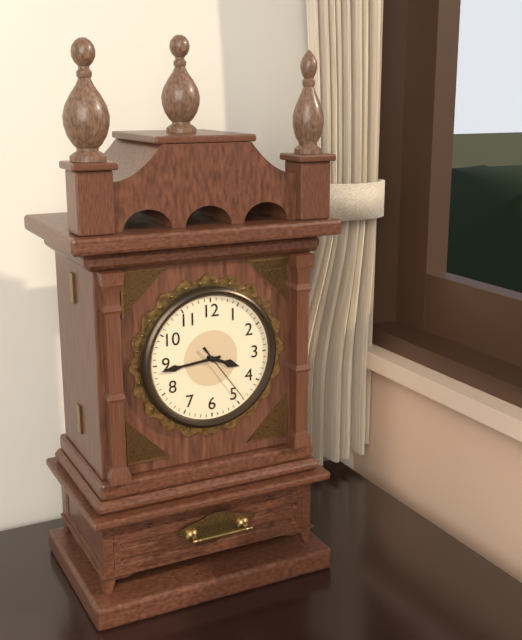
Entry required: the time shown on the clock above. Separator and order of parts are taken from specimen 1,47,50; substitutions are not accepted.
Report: 3,44,24
